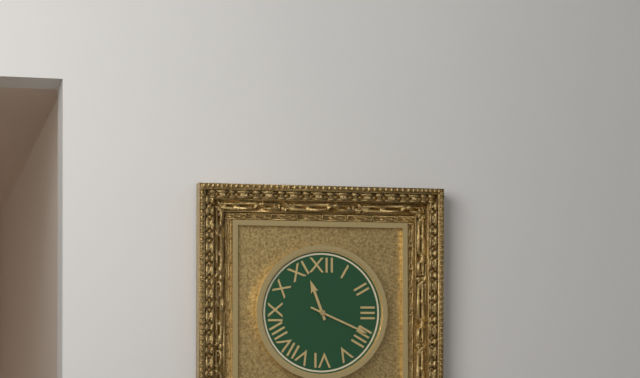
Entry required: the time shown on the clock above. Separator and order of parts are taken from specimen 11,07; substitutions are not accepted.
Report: 11,19
